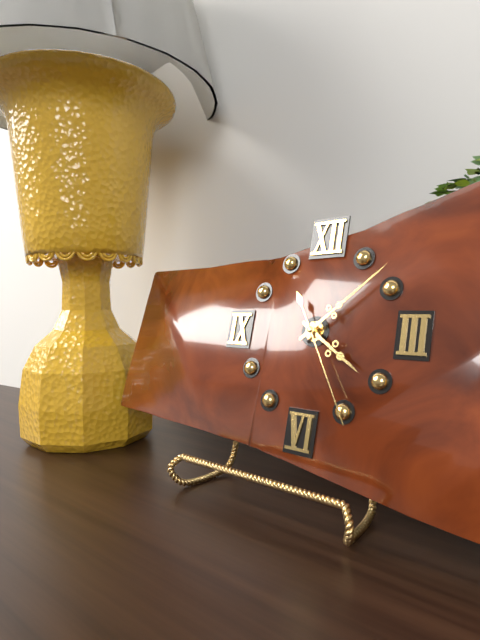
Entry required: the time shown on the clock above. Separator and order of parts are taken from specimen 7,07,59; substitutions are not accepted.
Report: 4,08,25
